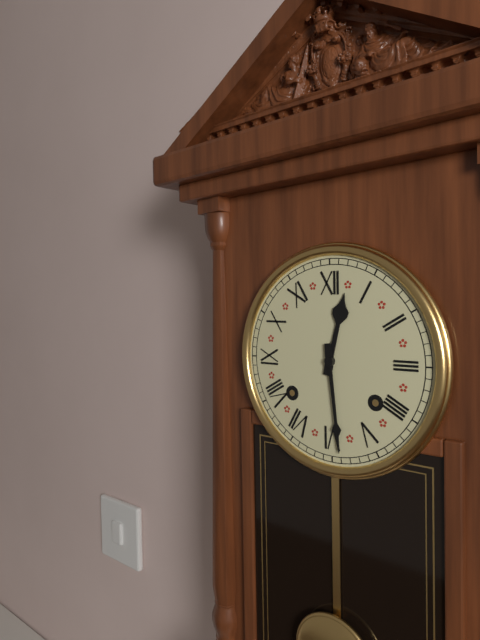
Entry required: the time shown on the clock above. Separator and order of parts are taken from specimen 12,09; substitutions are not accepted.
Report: 12,29
